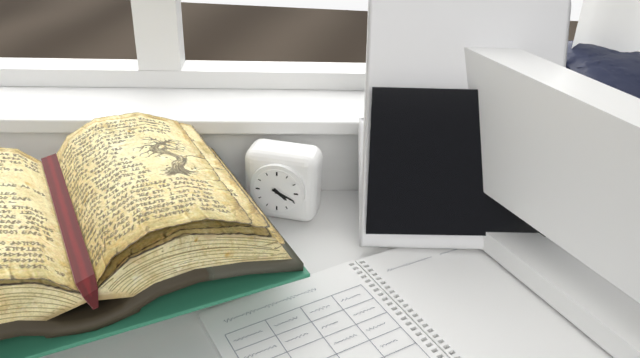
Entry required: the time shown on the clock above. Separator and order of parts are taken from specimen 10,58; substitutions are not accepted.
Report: 4,19
